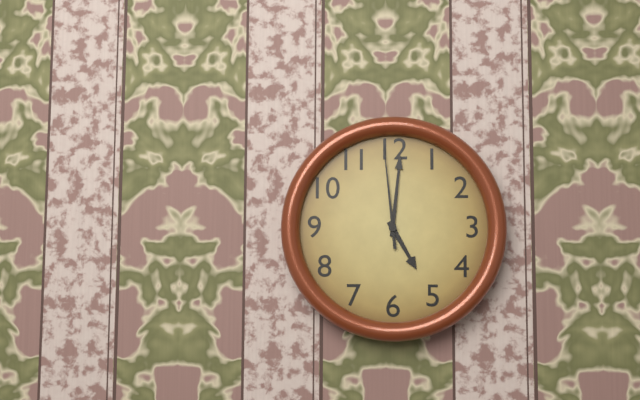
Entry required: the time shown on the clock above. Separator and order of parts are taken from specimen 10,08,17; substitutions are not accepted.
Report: 5,01,59
